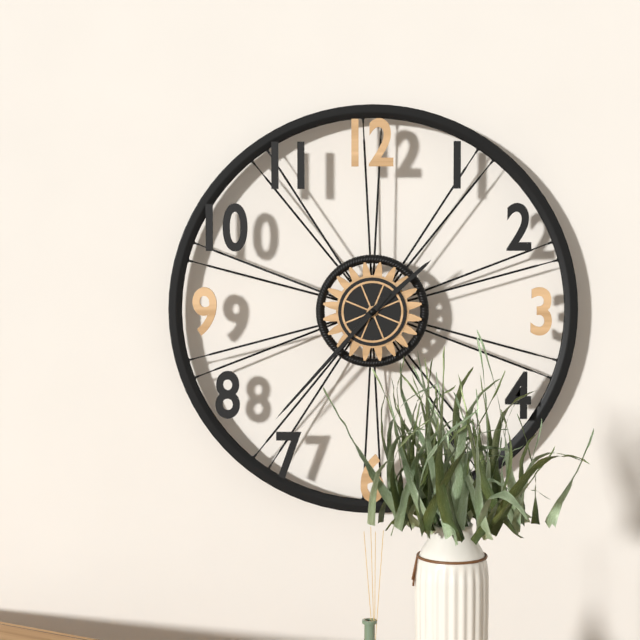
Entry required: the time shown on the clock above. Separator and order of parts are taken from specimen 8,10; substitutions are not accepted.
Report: 1,37
